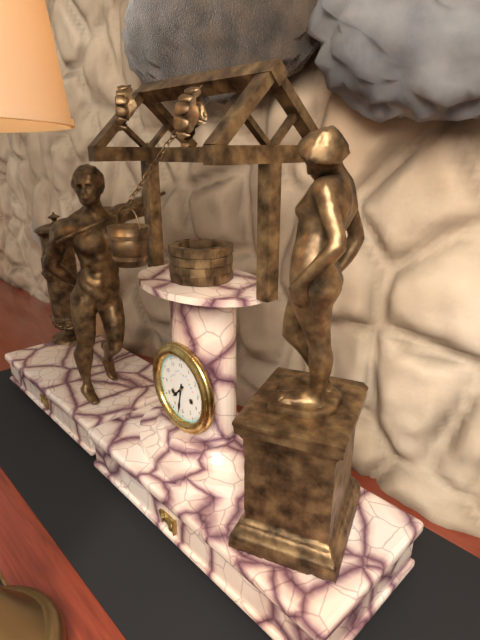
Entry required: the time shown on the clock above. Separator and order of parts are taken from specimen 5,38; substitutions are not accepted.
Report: 7,32
